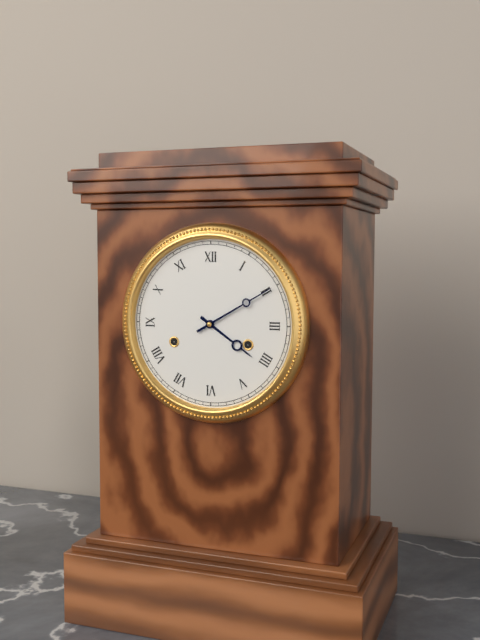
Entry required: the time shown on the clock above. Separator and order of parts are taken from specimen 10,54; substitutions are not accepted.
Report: 4,10
